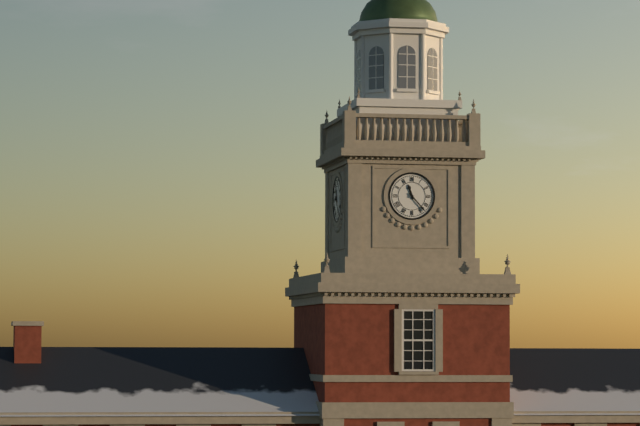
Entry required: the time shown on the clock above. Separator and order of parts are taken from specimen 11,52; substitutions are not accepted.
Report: 11,23
